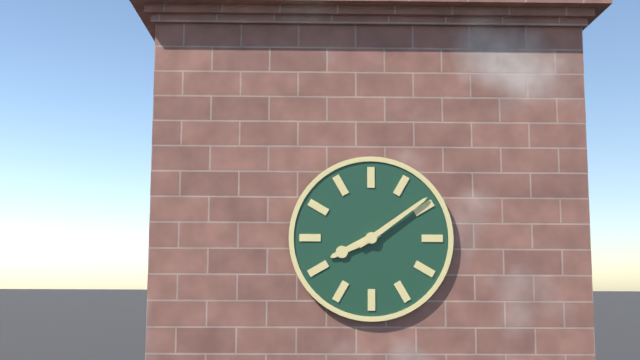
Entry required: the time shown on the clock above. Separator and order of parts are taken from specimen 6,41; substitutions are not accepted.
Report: 8,09
